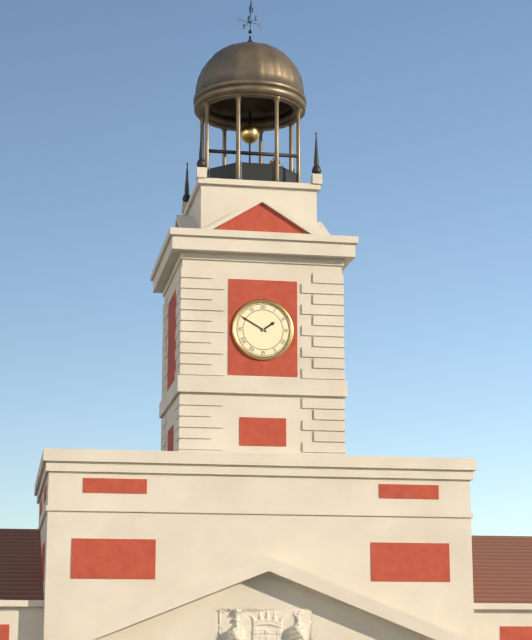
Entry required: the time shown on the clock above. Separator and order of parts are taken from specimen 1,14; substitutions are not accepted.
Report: 1,50
